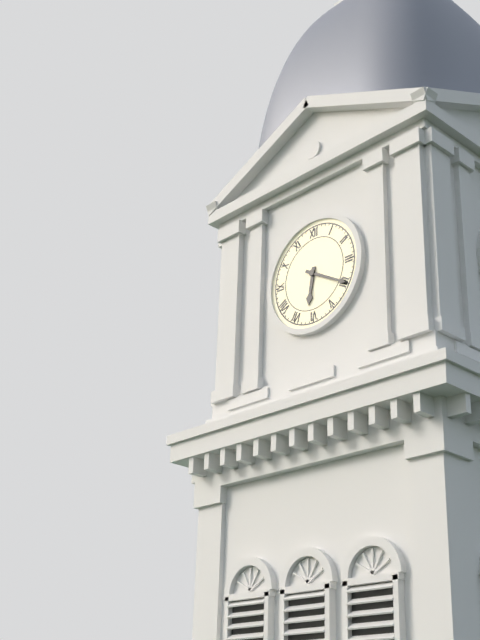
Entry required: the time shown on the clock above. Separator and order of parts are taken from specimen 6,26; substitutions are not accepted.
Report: 6,20
